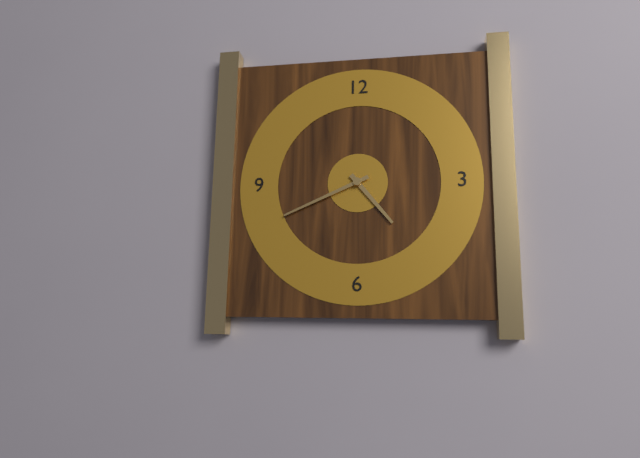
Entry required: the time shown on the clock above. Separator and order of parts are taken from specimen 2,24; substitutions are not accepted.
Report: 4,41
